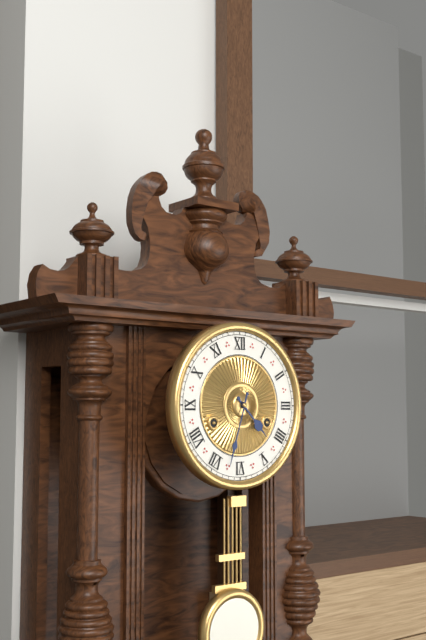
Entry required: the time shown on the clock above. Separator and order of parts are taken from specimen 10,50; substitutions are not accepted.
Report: 4,33
